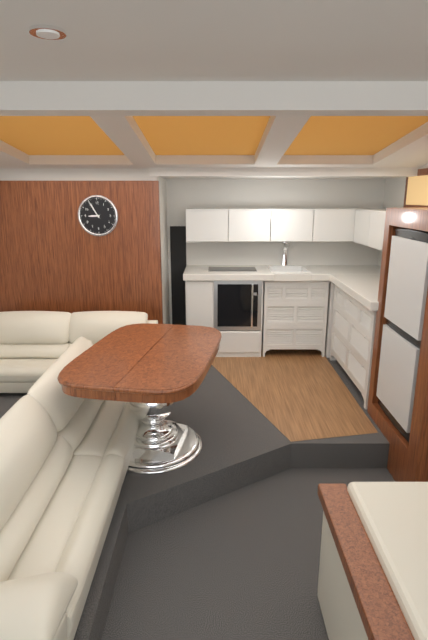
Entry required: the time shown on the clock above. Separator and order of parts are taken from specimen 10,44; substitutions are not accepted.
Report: 8,55
